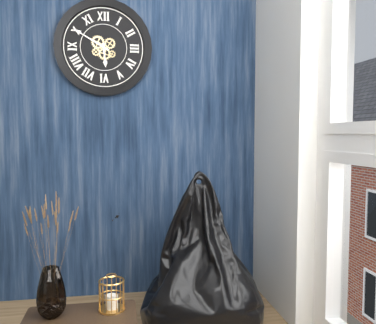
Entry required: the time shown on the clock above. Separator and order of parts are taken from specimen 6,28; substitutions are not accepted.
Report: 5,50
